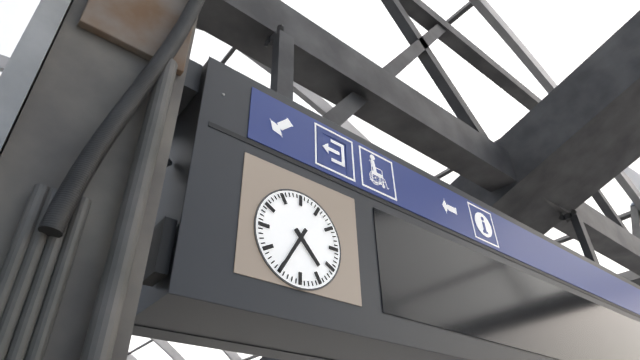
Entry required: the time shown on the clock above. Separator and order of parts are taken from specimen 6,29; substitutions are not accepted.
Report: 4,35
